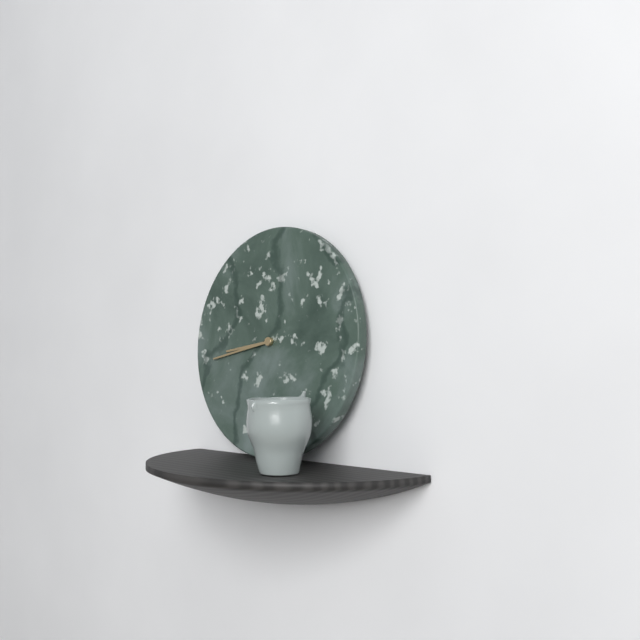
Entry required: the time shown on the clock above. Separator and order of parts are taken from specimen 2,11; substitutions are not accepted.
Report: 8,43
